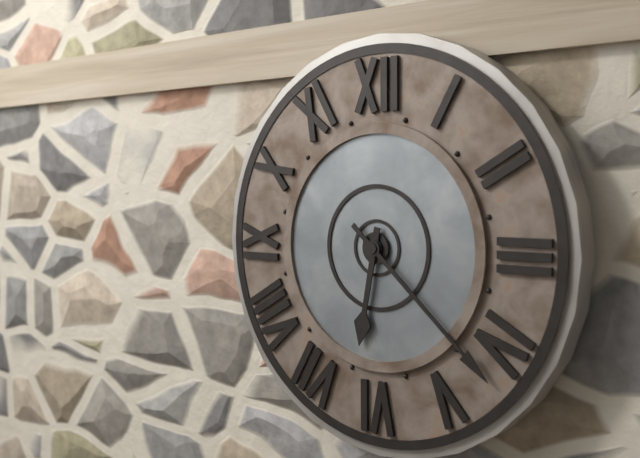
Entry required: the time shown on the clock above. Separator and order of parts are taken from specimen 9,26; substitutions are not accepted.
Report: 6,22
